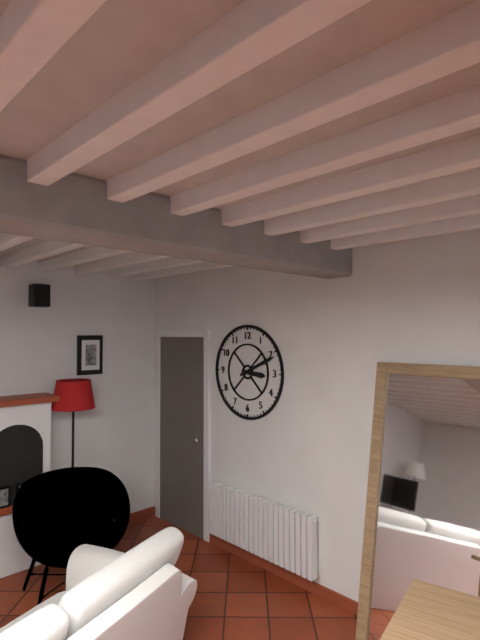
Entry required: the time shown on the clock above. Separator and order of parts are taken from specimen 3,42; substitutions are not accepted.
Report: 3,11
